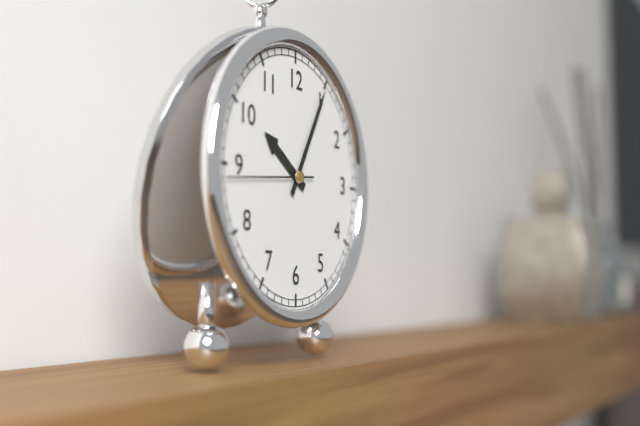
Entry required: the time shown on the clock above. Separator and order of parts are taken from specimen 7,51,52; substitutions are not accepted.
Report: 10,05,44
